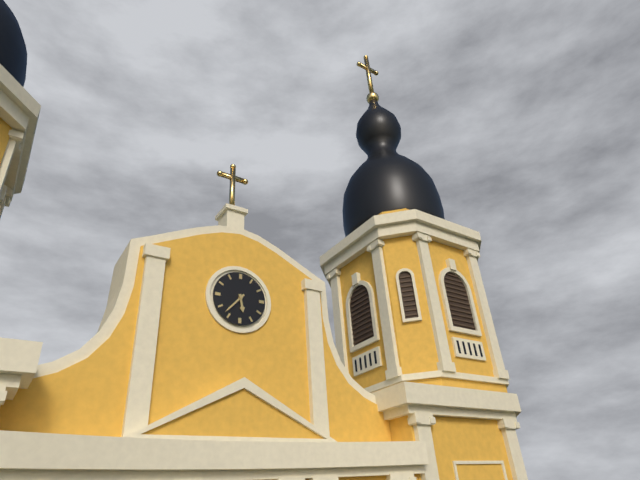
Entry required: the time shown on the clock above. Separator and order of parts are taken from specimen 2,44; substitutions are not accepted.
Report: 5,37
